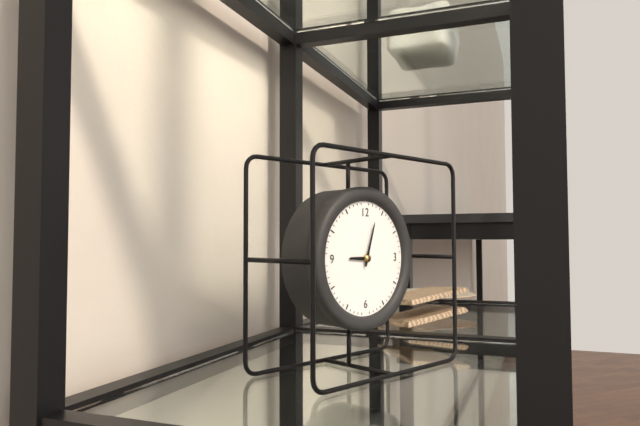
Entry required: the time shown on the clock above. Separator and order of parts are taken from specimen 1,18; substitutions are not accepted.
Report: 9,03
